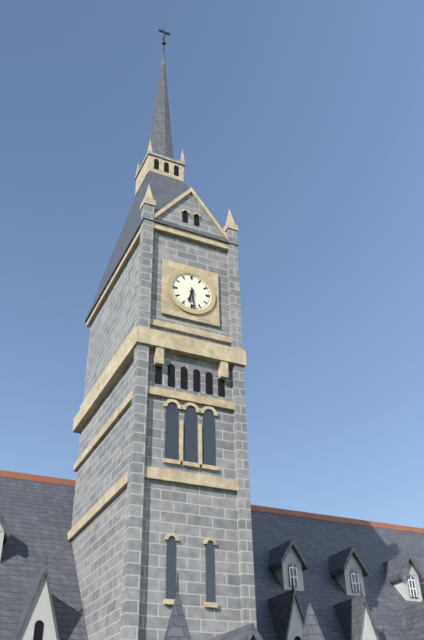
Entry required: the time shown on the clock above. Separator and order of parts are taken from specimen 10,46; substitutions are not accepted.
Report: 6,29
